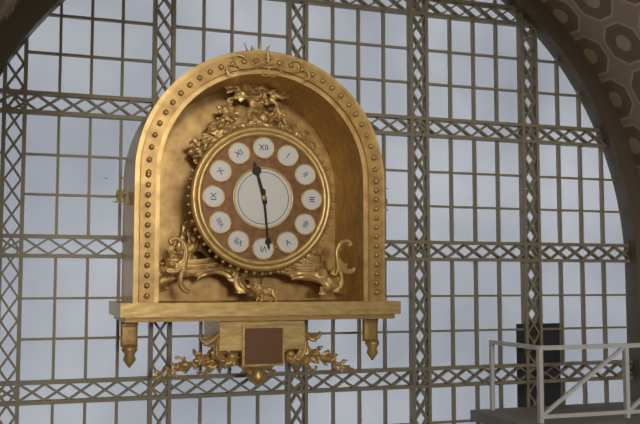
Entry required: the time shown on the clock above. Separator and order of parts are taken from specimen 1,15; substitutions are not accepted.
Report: 11,29
